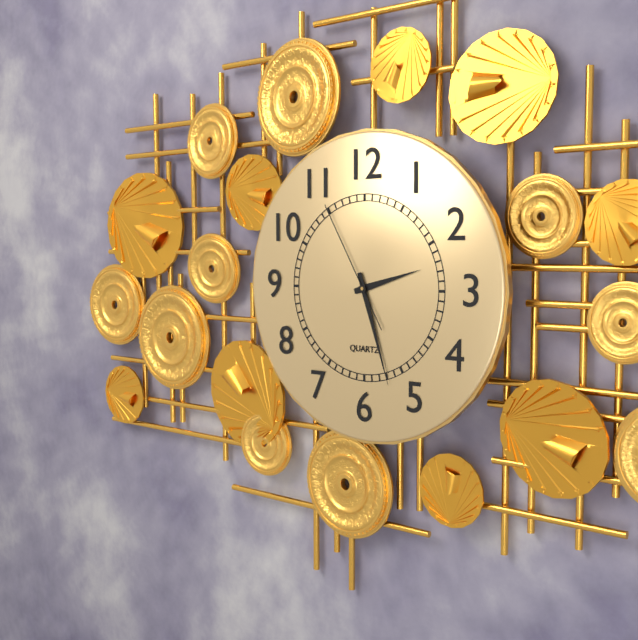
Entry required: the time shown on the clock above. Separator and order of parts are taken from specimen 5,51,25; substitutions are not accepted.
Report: 2,27,55
